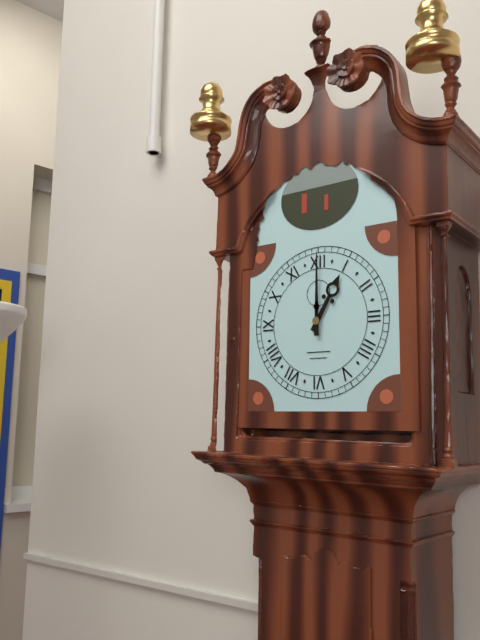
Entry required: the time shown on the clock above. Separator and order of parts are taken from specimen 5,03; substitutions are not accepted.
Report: 1,00
